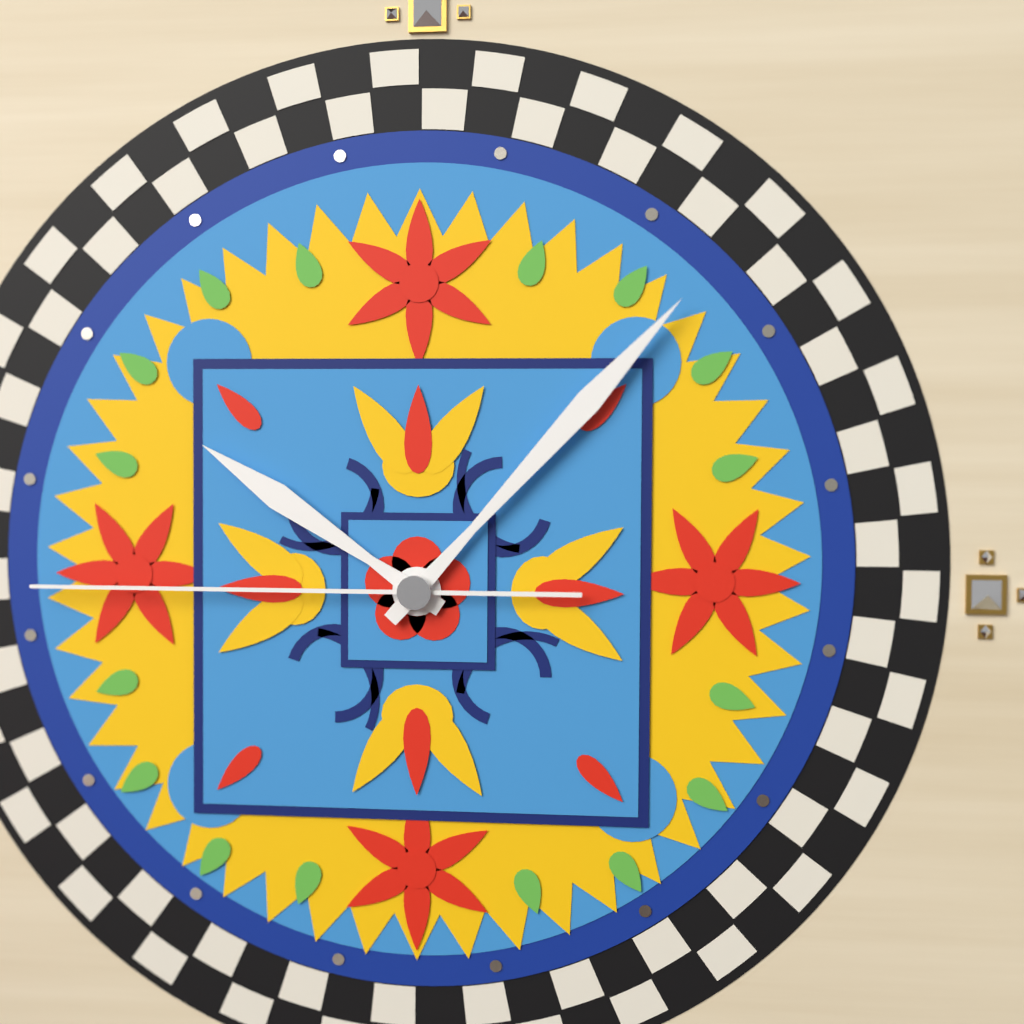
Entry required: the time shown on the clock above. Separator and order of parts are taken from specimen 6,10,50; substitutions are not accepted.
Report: 10,07,45
